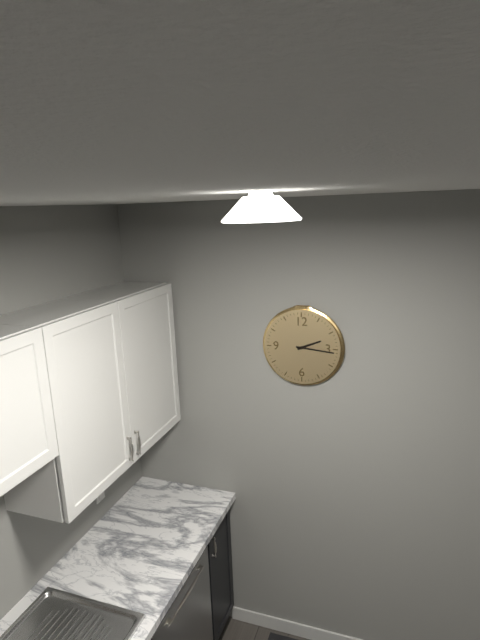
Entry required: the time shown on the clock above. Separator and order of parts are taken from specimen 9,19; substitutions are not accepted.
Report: 2,16
